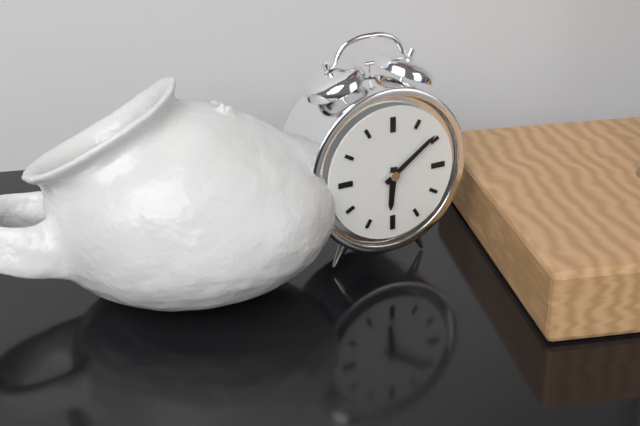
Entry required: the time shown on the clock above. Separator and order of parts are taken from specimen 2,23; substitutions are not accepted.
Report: 6,09
